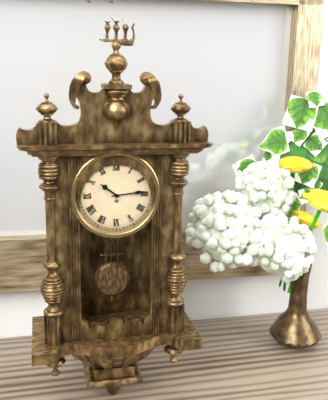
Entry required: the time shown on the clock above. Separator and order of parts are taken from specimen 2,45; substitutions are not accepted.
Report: 10,14
